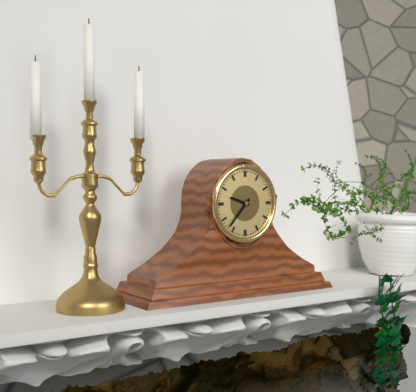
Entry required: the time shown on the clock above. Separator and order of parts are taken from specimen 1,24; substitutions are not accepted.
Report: 9,37
